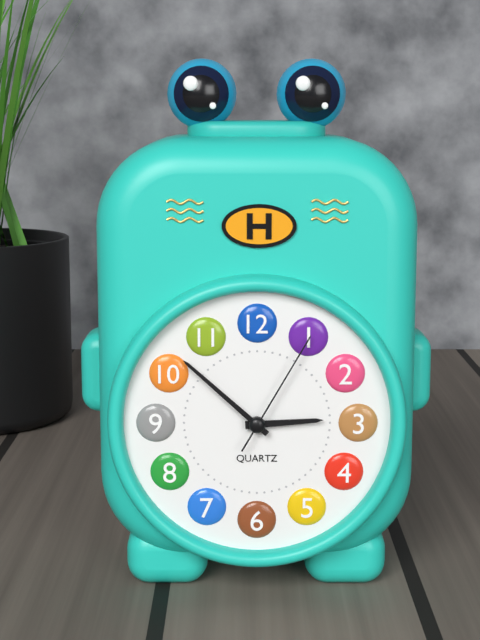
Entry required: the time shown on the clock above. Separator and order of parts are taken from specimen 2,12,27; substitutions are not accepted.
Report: 2,52,05
